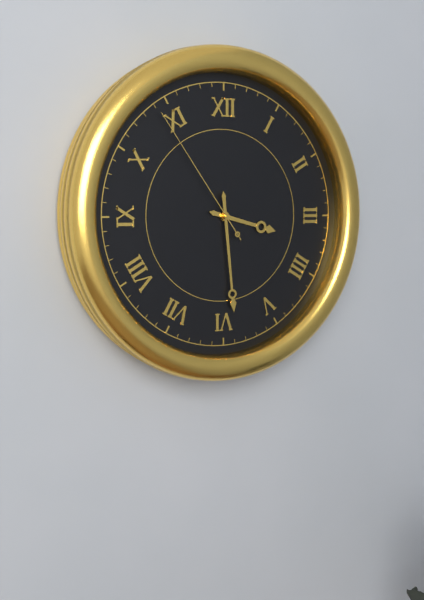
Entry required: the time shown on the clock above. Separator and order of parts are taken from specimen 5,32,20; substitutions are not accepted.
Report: 3,29,54
